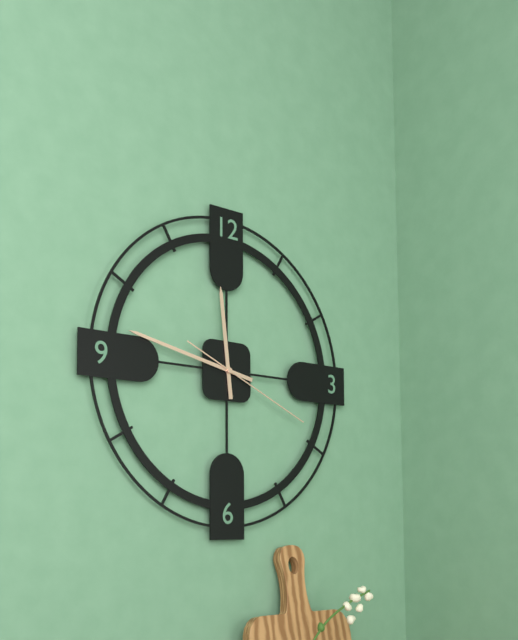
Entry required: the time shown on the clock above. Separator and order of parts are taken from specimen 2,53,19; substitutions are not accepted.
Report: 11,47,19
